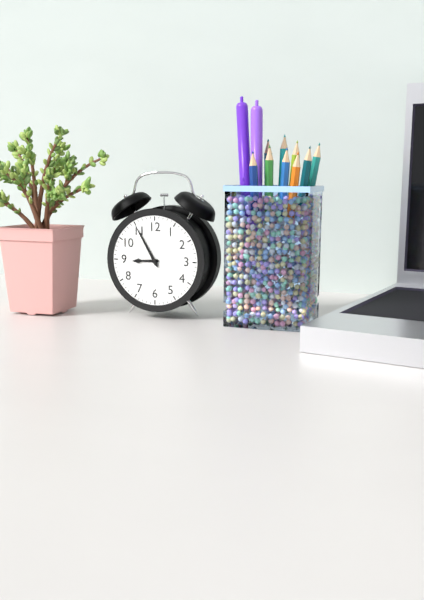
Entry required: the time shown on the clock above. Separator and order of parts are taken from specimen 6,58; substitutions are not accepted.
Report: 8,55
